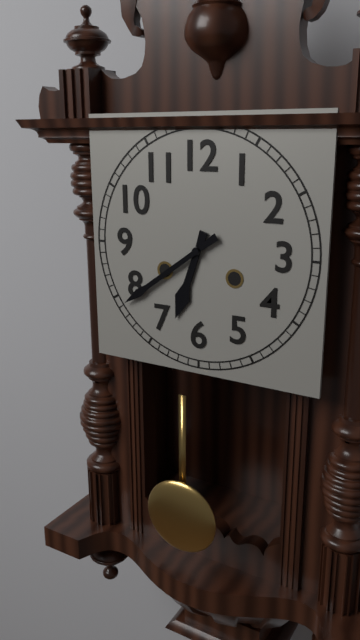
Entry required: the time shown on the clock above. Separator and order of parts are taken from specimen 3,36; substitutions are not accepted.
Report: 6,39
